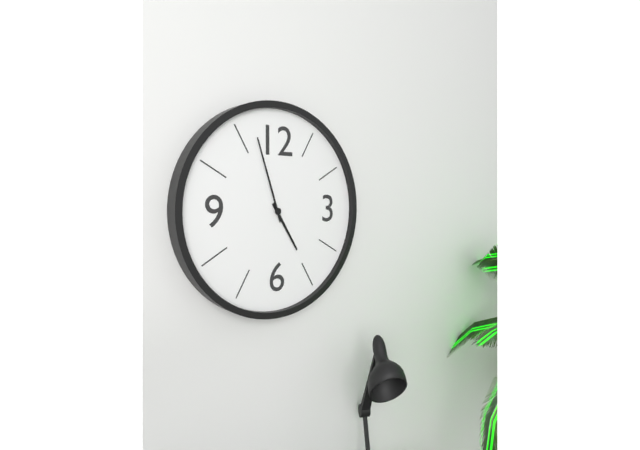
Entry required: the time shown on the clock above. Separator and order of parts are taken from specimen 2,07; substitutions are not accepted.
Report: 4,57
